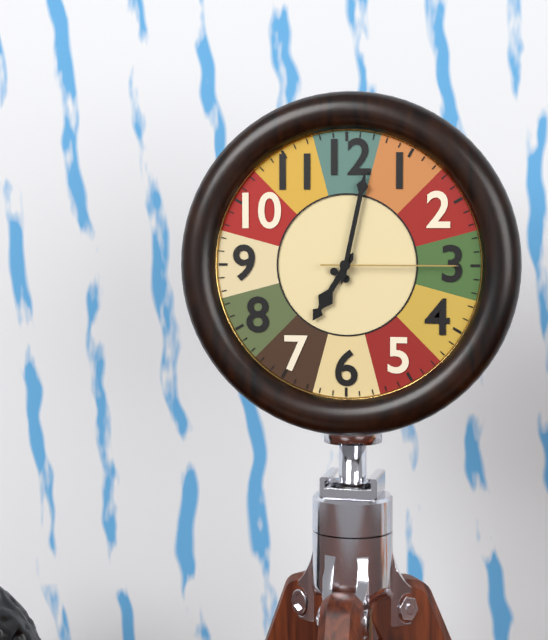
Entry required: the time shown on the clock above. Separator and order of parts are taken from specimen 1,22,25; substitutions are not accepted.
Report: 7,02,15
